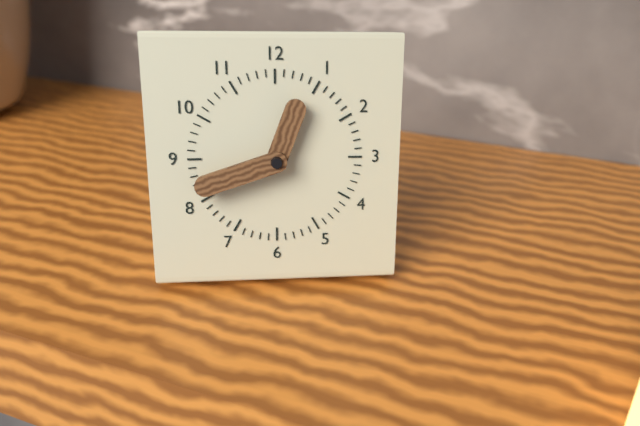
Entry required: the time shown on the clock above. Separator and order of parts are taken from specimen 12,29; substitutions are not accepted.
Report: 12,42
